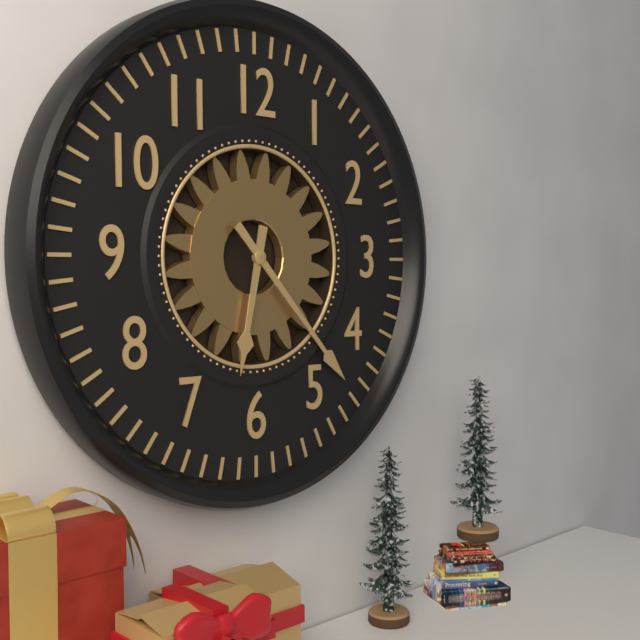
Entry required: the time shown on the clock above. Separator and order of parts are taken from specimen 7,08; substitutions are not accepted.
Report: 6,23
